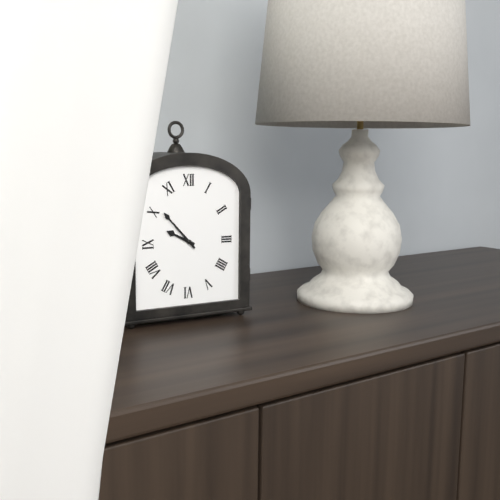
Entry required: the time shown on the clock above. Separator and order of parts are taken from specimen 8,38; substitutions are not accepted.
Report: 9,53
